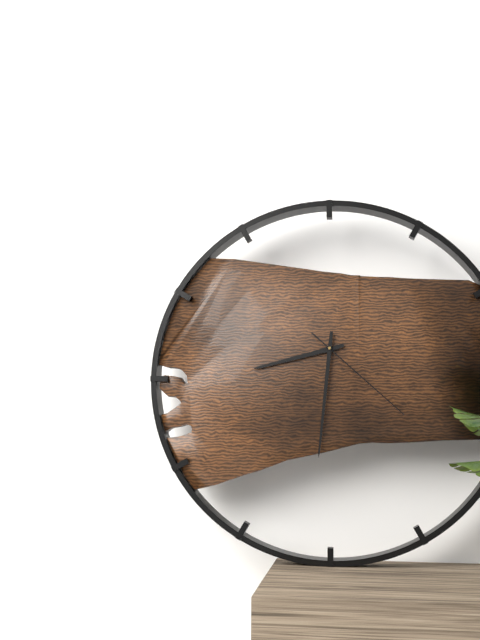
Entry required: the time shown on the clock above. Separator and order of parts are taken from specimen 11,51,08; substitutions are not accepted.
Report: 8,31,22
